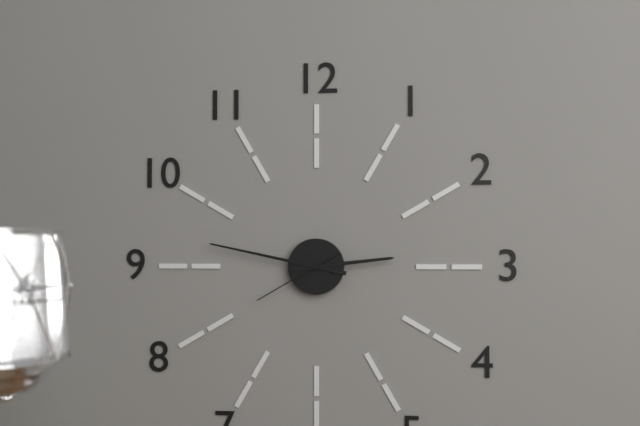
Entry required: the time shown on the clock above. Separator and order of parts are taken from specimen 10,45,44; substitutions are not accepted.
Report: 2,47,40
